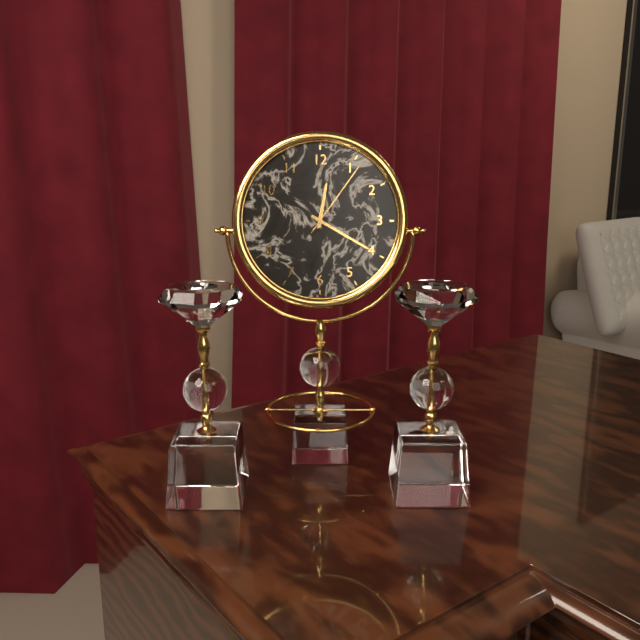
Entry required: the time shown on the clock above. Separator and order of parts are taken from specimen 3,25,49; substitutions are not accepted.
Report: 12,20,06
